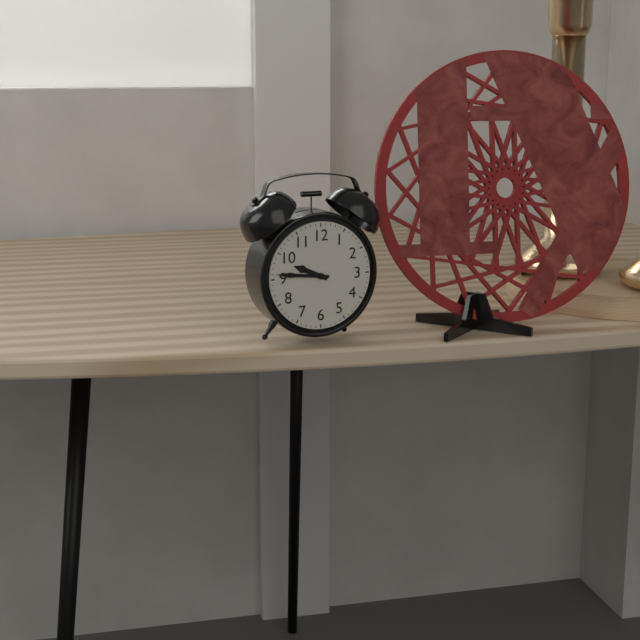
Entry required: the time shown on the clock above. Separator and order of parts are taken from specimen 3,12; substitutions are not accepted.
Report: 9,46
